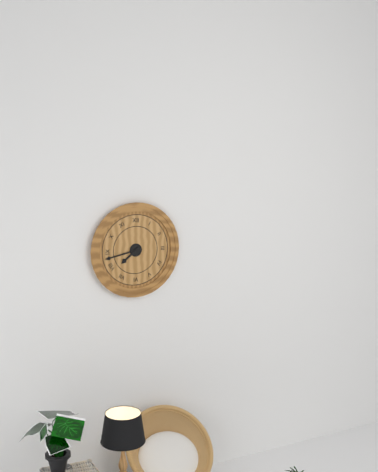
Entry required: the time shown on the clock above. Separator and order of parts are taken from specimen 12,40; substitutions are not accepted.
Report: 7,43
